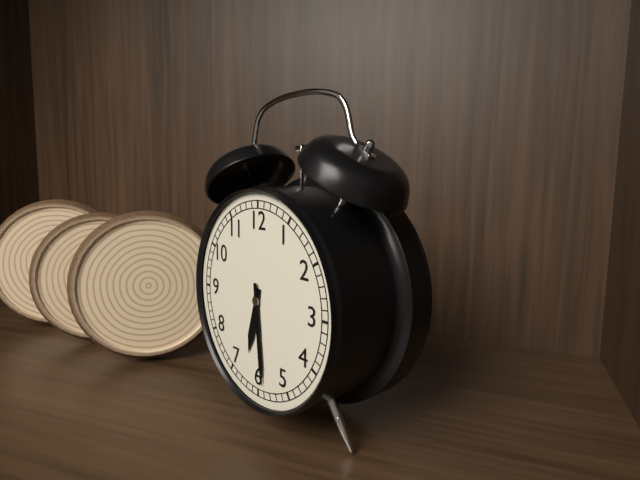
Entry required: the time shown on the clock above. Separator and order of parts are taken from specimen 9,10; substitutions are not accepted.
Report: 6,29
